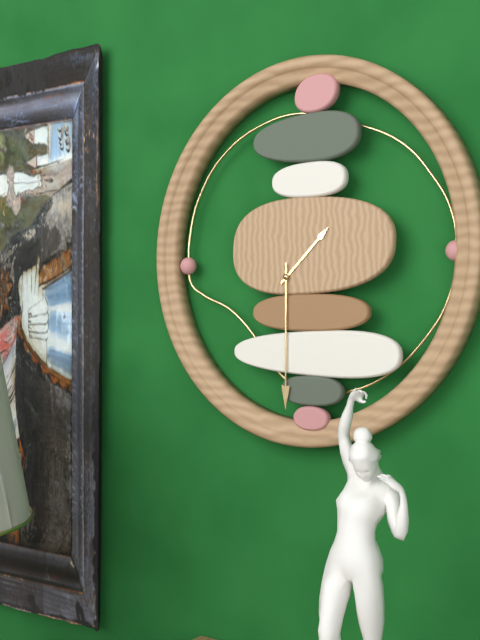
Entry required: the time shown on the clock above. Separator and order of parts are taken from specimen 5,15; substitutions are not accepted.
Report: 1,30
